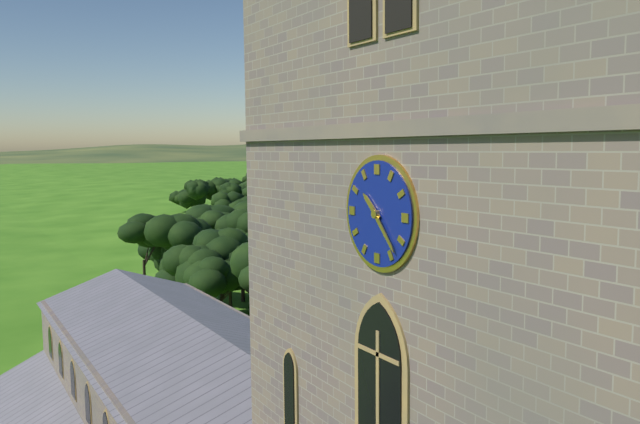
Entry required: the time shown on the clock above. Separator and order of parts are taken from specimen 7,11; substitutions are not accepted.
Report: 10,23
